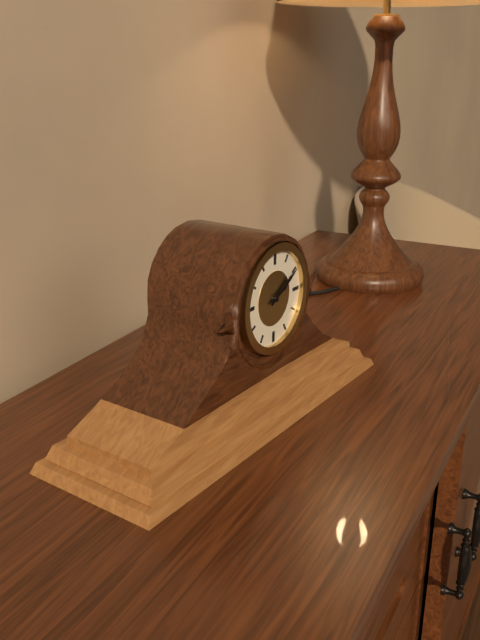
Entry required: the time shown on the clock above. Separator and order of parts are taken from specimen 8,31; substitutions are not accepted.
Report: 2,10
